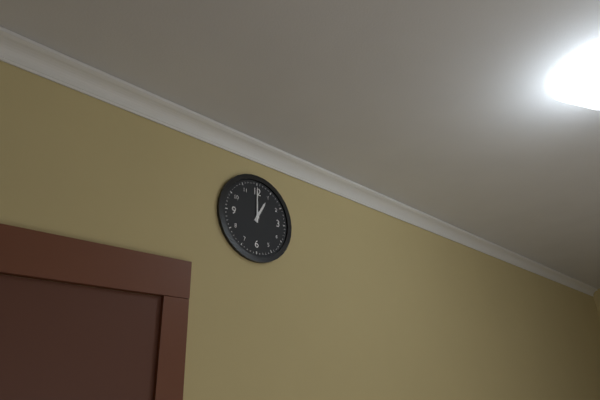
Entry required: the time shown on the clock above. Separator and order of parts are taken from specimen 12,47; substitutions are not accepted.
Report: 1,00
